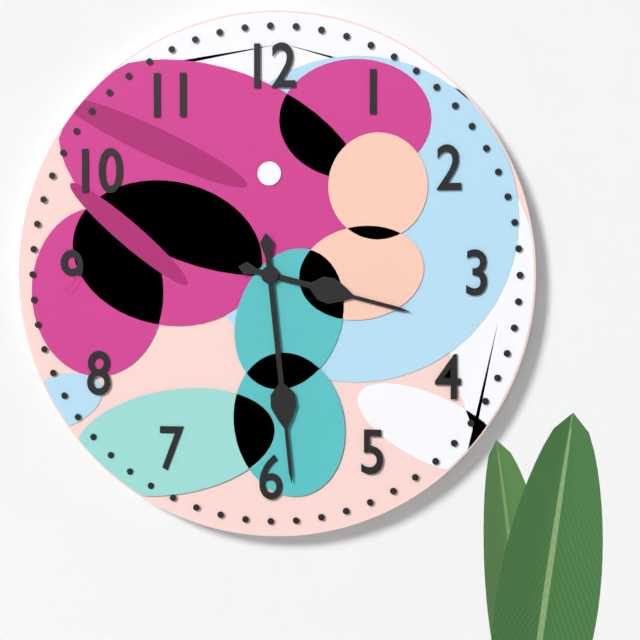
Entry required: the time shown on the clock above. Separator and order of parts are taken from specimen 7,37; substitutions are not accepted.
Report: 3,29
